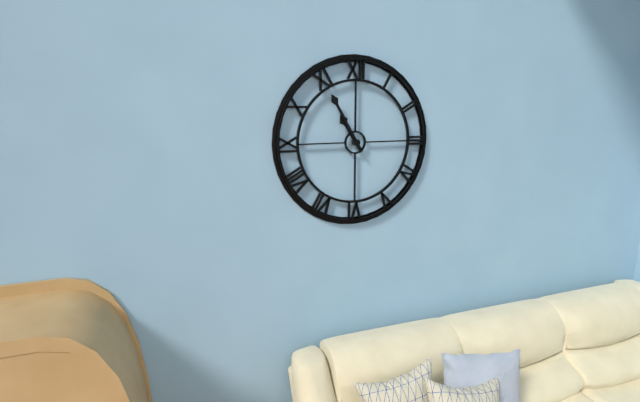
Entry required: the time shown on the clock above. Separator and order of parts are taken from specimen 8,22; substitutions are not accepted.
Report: 10,55
